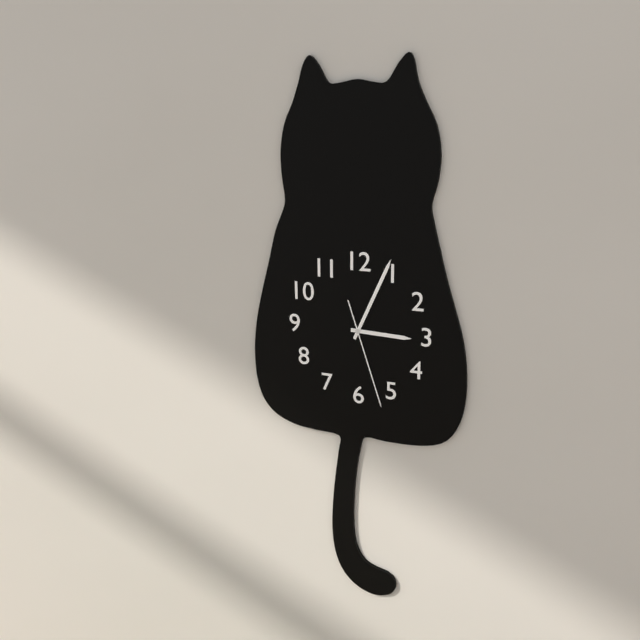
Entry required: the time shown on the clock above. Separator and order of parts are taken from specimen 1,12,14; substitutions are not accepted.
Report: 3,04,27
